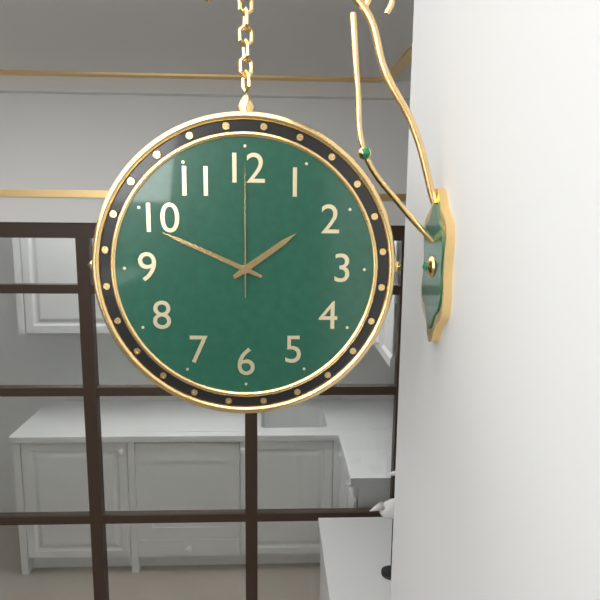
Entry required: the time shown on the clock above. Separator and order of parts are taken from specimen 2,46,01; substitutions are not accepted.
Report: 1,49,00
